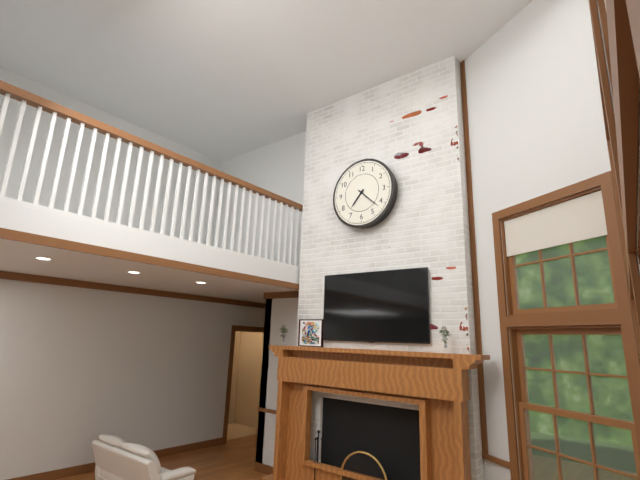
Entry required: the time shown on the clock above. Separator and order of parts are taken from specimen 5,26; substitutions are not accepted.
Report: 7,22
